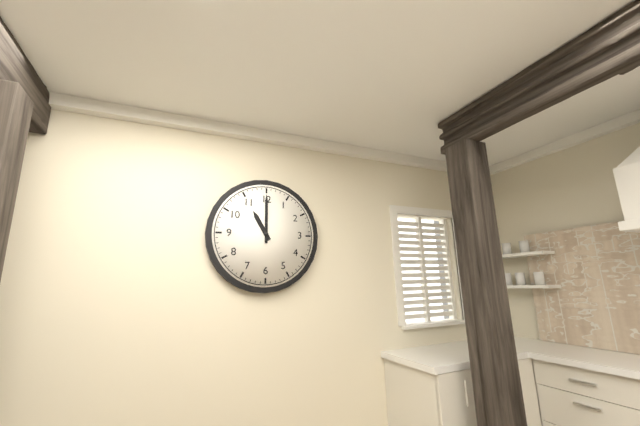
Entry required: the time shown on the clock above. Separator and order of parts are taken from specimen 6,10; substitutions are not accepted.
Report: 11,00
